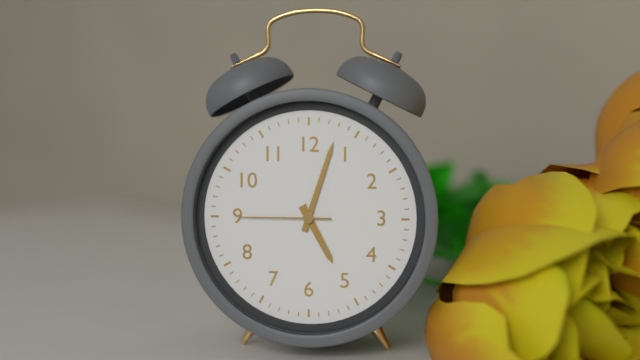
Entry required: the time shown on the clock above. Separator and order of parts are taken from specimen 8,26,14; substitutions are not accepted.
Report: 5,03,45
